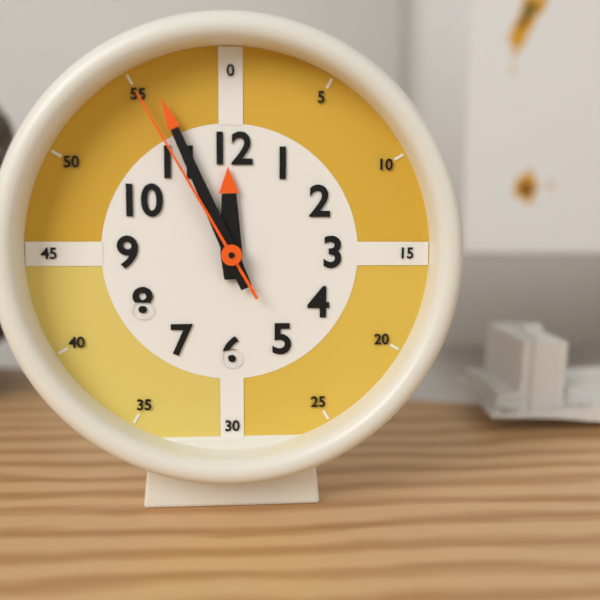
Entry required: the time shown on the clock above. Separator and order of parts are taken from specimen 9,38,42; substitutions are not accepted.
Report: 11,56,55
